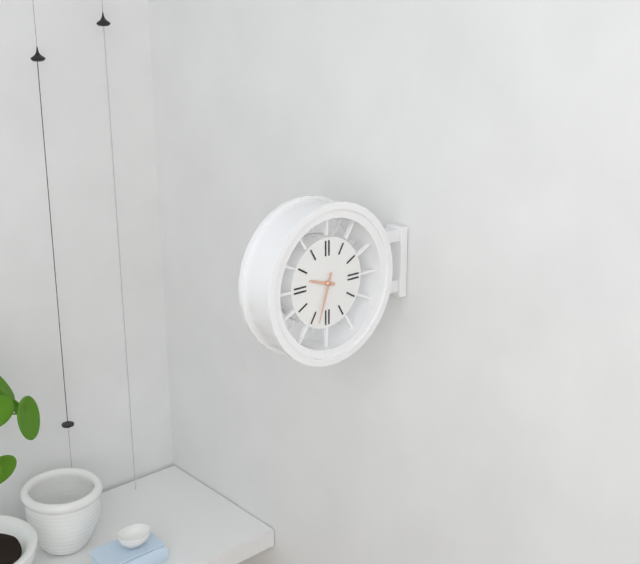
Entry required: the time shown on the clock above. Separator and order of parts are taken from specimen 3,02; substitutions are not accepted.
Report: 9,33
